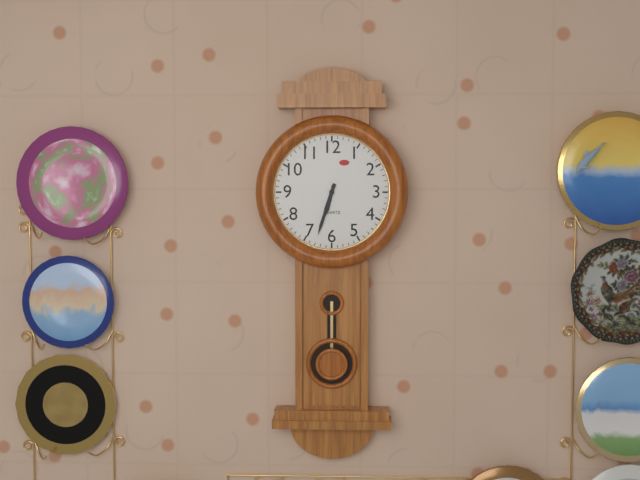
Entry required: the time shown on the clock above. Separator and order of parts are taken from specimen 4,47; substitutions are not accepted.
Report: 6,33
